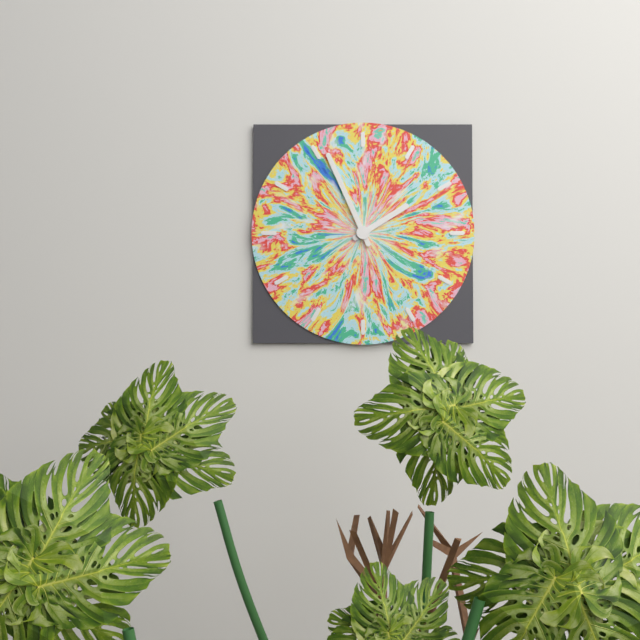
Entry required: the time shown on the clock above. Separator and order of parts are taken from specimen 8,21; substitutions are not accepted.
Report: 1,56
